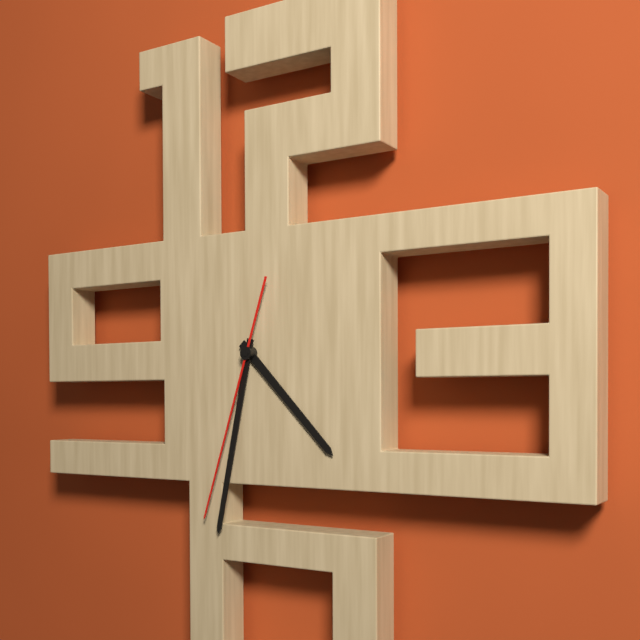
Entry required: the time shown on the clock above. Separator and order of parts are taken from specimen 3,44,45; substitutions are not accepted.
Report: 4,32,33
